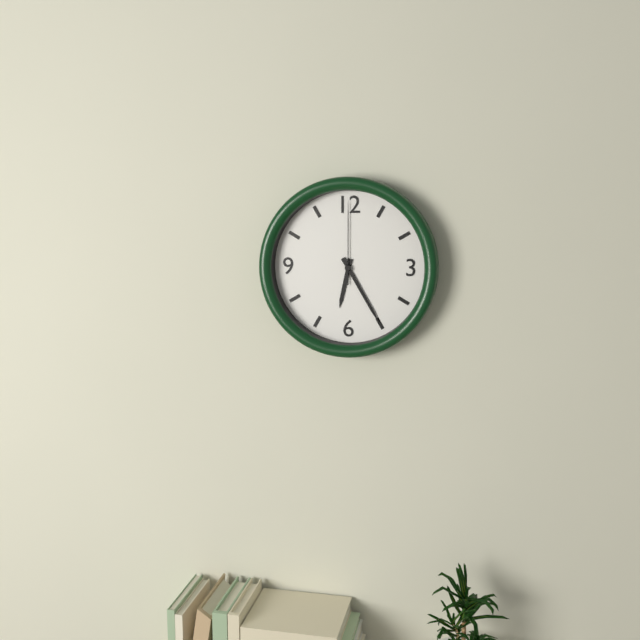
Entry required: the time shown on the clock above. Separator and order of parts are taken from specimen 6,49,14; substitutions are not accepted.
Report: 6,25,00
